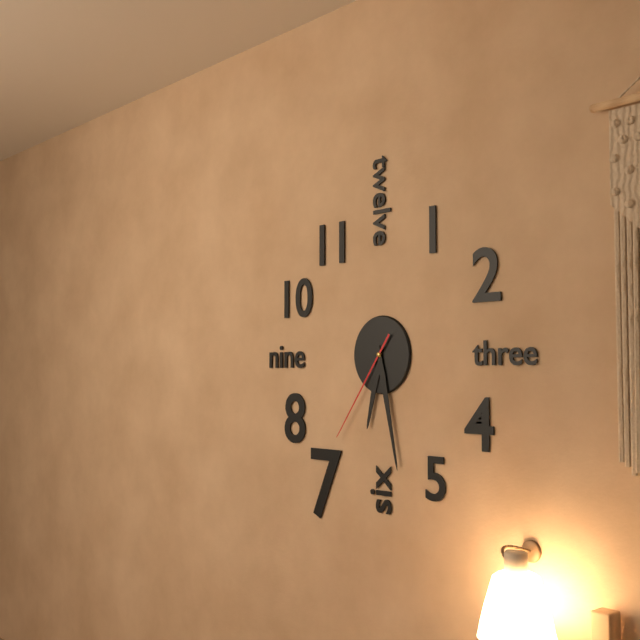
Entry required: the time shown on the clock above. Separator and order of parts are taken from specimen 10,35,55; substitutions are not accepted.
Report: 6,28,36
